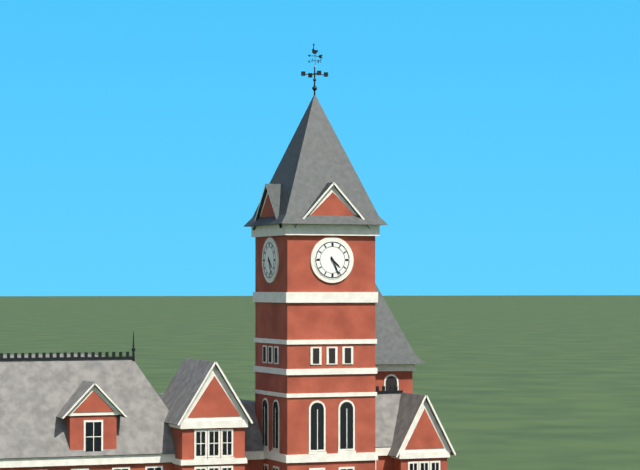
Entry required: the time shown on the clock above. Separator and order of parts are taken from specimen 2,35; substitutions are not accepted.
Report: 4,26
